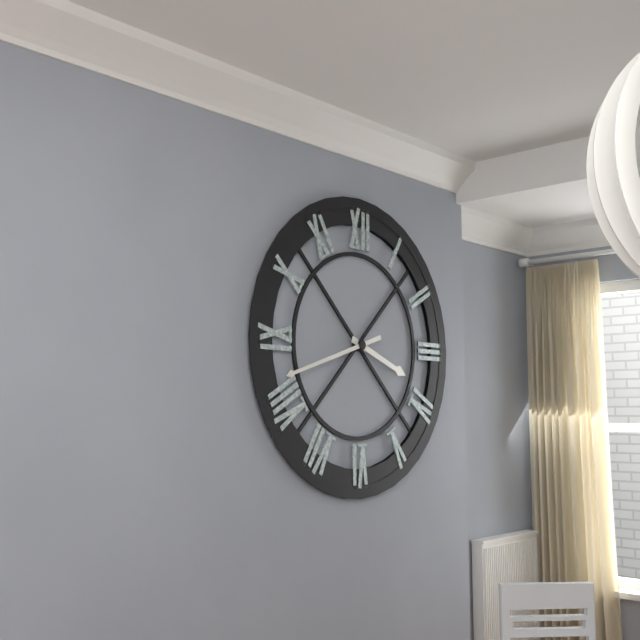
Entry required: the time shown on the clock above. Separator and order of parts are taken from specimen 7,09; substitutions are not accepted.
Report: 3,42
